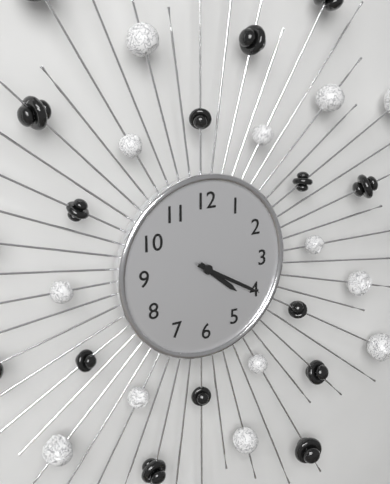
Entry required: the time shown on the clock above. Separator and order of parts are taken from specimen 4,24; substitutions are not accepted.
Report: 4,20
